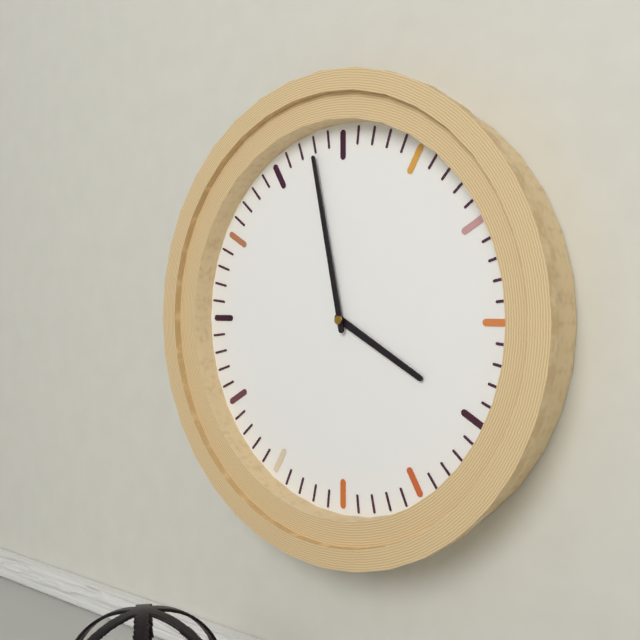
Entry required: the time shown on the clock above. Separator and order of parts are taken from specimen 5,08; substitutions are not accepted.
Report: 3,58
